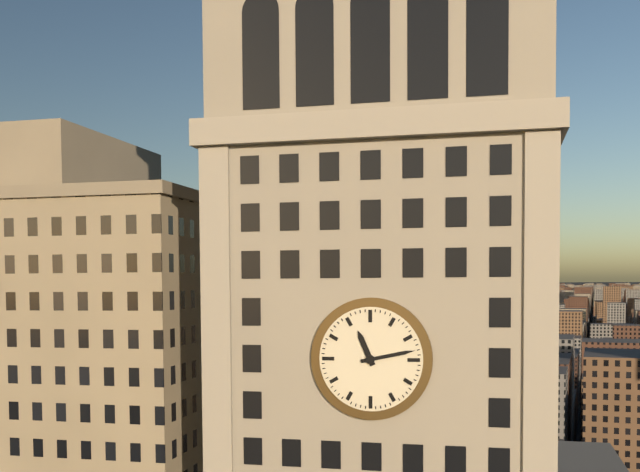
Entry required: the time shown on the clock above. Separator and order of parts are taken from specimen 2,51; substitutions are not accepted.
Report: 11,13
